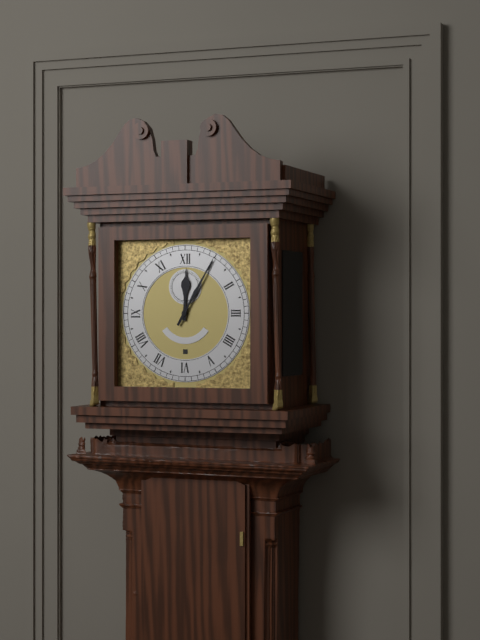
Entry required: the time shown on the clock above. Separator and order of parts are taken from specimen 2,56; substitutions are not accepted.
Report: 12,05
